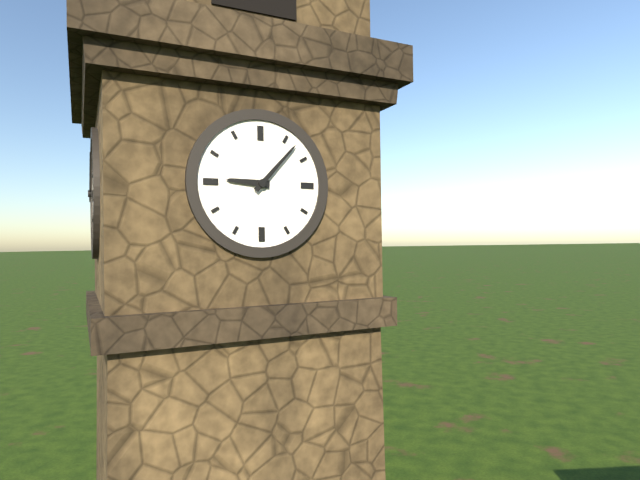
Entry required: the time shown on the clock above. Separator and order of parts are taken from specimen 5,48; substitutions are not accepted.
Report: 9,07
